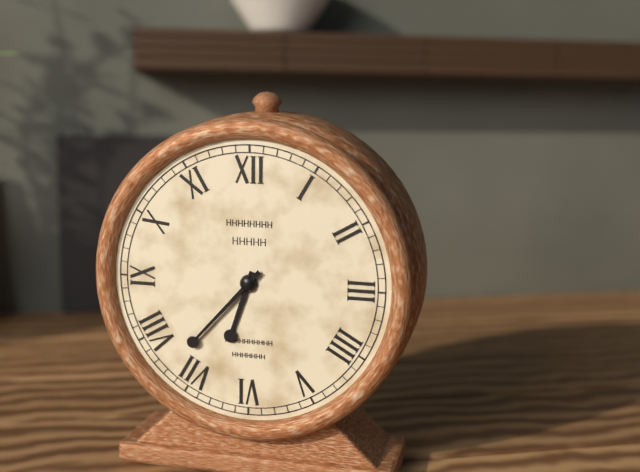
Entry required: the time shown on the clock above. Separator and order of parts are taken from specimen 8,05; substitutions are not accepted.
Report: 6,37
